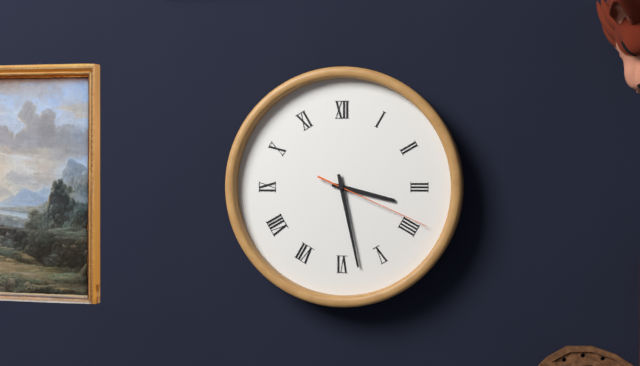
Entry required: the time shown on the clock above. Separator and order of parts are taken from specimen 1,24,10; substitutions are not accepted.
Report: 3,28,19
